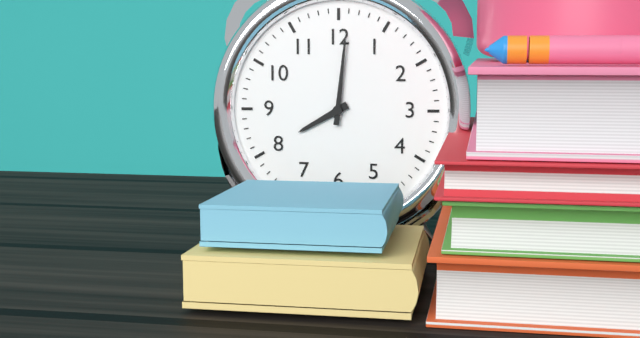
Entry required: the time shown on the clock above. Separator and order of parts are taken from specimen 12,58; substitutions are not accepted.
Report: 8,01
